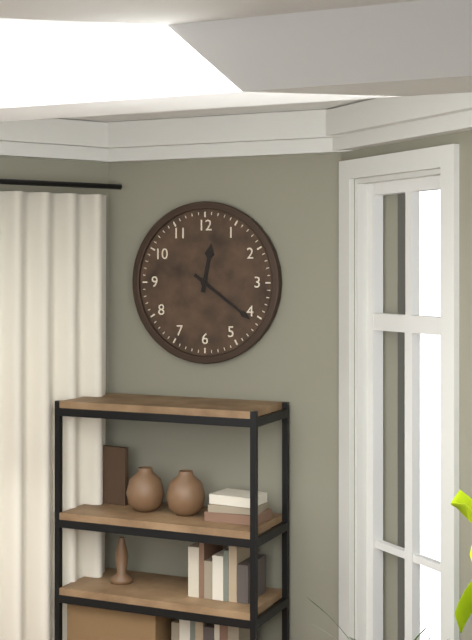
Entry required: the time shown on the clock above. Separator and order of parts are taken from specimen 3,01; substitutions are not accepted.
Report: 12,21
